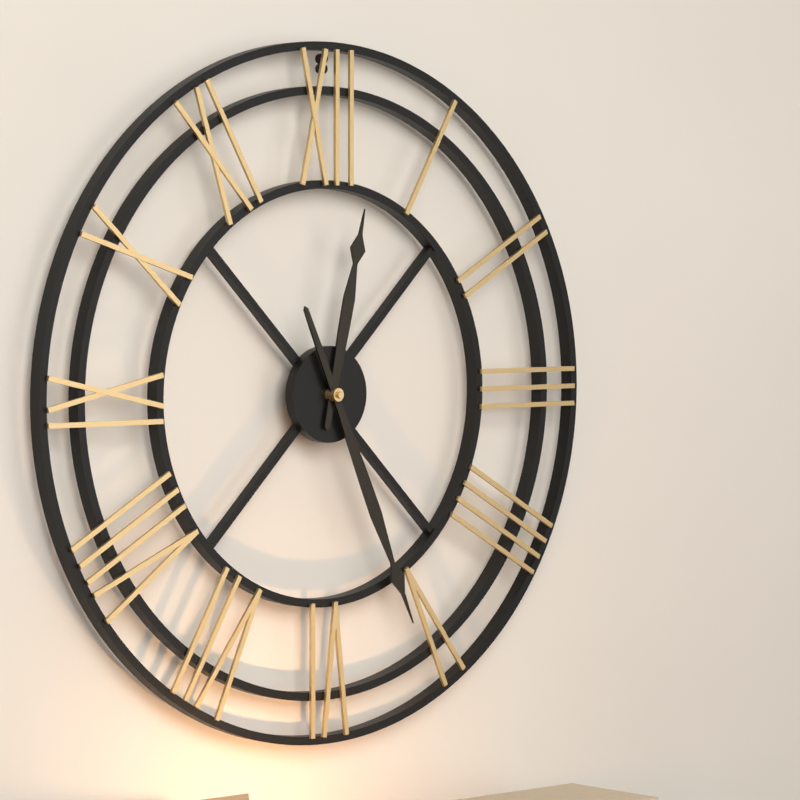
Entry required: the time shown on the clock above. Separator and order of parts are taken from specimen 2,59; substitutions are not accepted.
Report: 12,26
